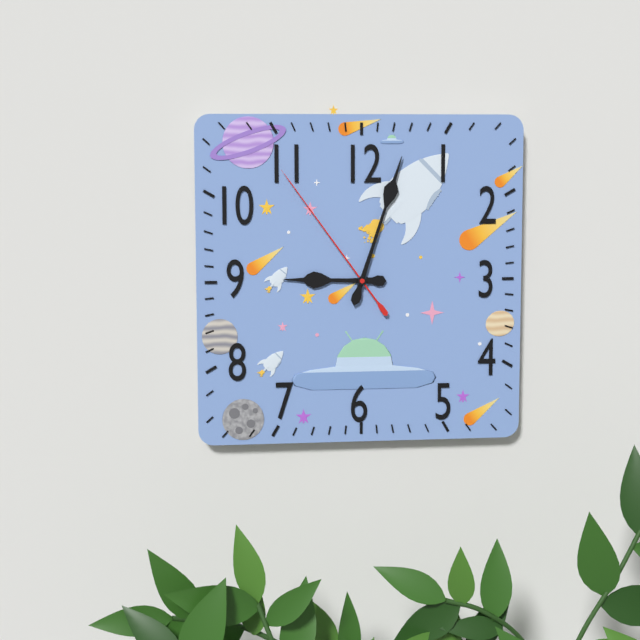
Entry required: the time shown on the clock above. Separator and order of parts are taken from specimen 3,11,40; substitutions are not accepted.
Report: 9,03,54
